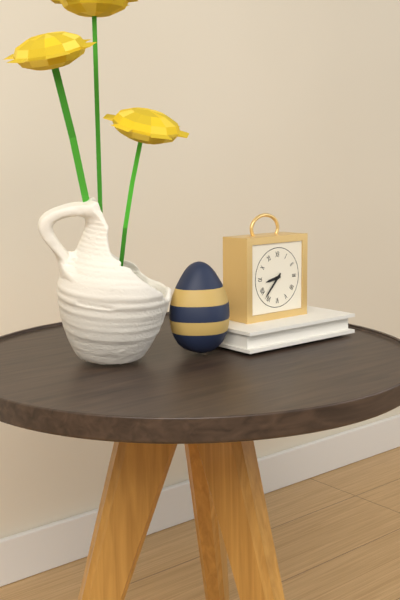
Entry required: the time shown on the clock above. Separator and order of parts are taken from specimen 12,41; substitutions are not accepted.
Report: 8,37
